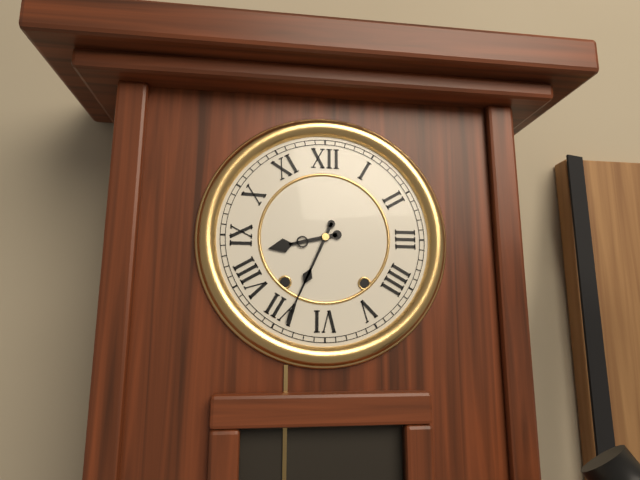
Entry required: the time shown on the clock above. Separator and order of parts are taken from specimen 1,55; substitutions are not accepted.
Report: 8,34
